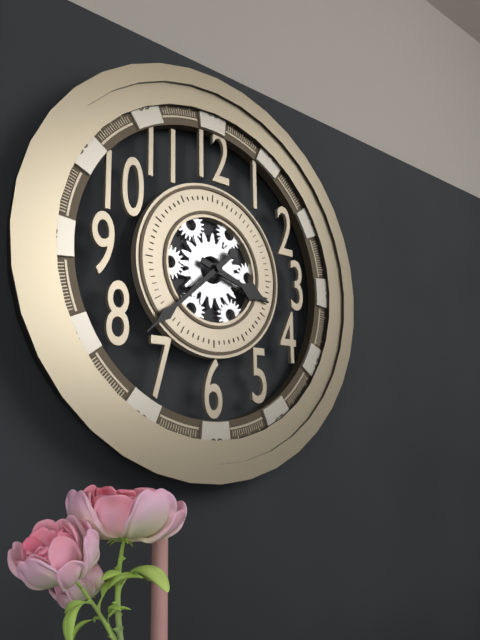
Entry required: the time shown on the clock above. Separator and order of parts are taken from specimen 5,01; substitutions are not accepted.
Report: 3,38
